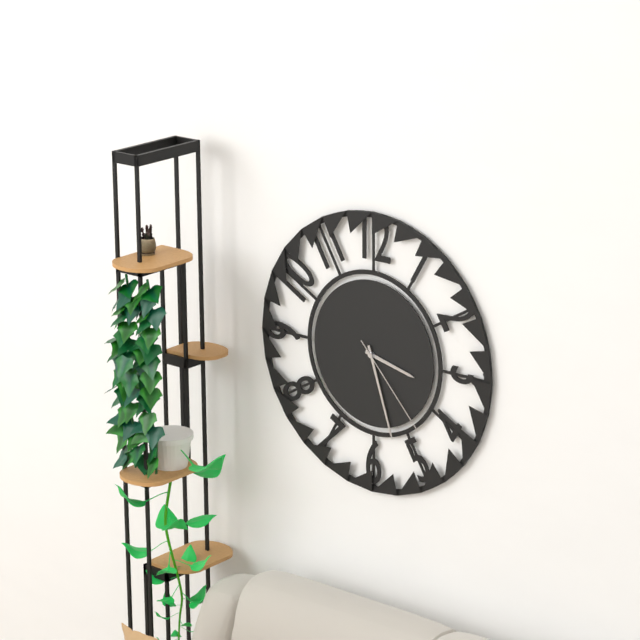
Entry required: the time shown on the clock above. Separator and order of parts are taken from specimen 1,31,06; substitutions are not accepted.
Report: 3,27,23
